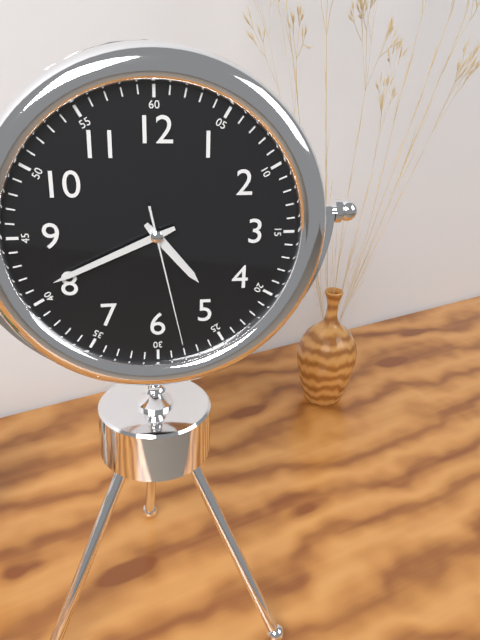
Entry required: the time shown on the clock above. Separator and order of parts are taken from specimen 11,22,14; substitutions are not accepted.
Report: 4,41,28
